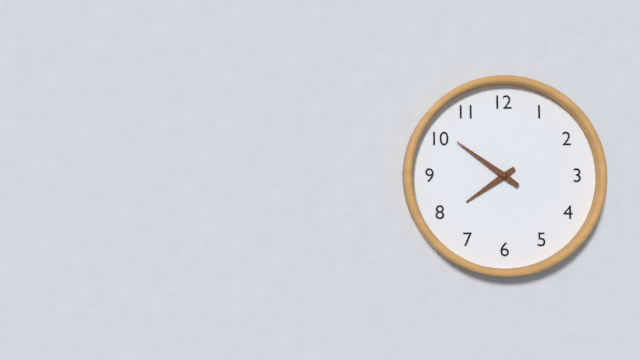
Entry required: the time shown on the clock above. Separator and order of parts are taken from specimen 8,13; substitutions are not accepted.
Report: 7,51
